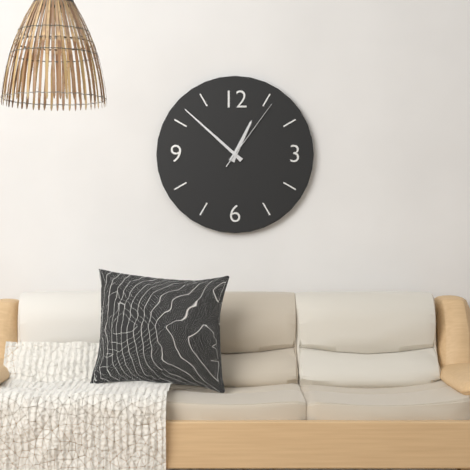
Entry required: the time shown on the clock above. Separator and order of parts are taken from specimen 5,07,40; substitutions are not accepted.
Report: 12,52,06
